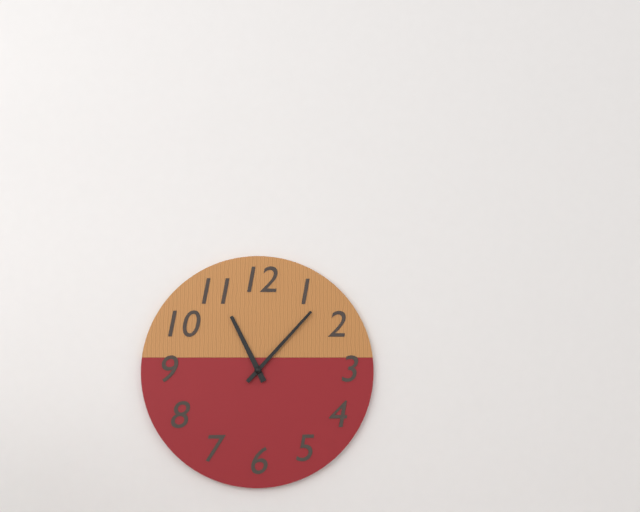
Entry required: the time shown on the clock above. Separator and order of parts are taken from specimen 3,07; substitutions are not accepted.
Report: 11,07
